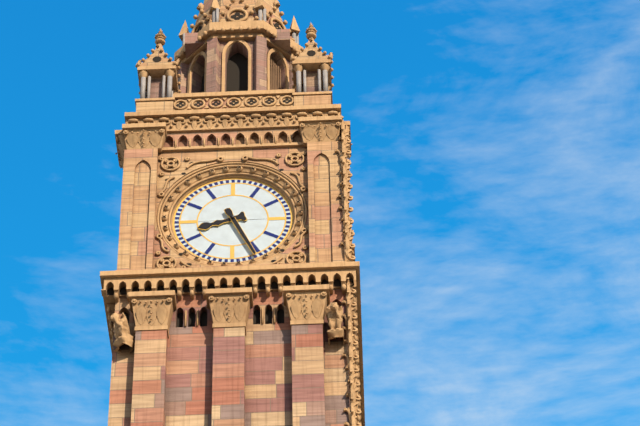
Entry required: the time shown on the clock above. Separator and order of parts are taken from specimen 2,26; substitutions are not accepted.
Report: 8,26
